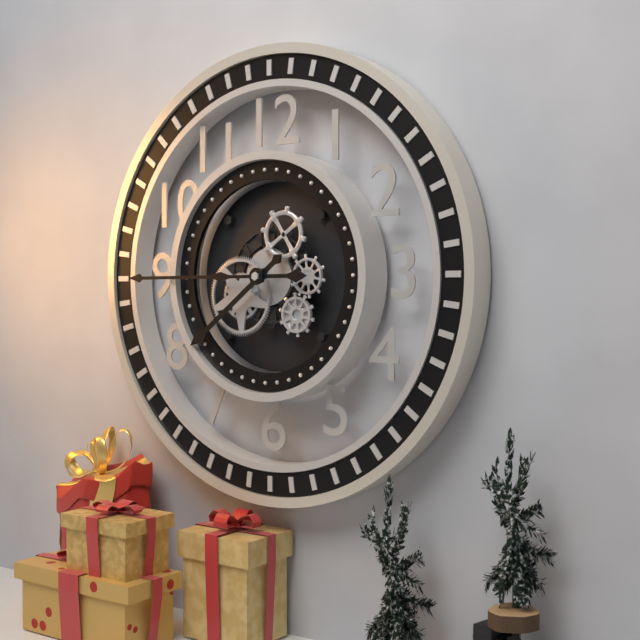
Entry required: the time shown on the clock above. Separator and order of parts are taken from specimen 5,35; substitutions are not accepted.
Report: 7,45
